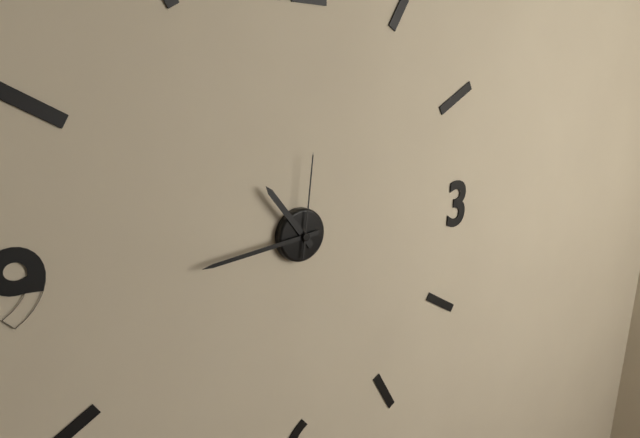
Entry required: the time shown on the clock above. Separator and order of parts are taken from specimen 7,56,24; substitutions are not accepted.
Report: 10,44,01
